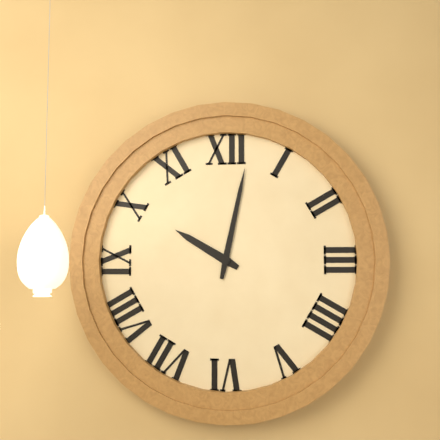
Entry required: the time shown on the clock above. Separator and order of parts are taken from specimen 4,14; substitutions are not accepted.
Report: 10,02
